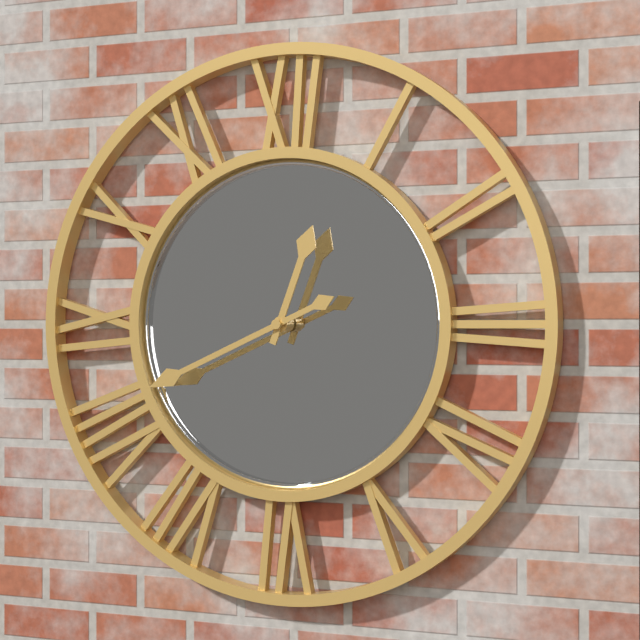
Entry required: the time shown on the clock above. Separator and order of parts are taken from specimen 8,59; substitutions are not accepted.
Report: 12,41
